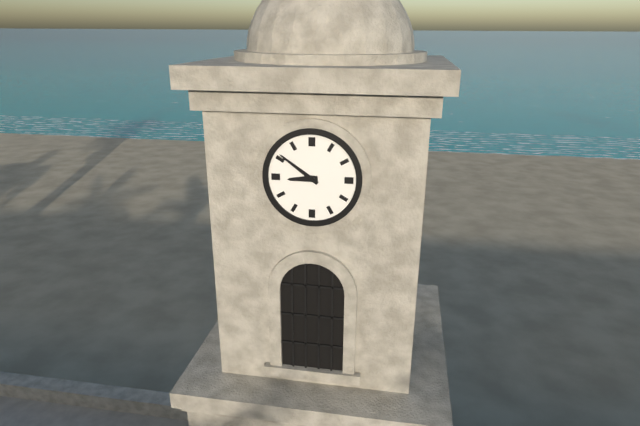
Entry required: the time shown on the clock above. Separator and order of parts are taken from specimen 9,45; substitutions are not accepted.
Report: 8,51
